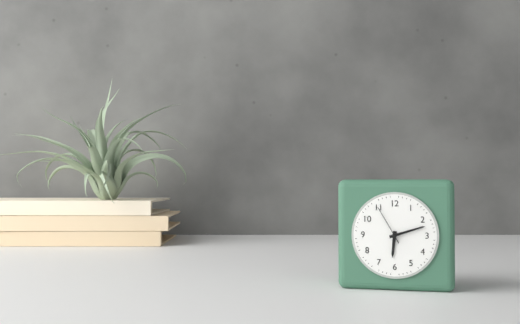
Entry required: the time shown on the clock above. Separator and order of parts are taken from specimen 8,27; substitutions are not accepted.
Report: 6,12
